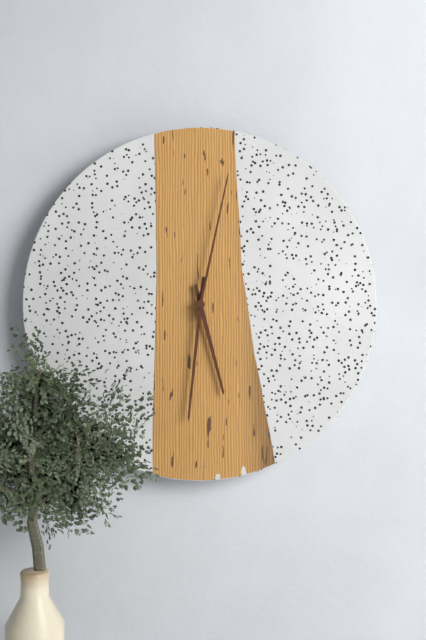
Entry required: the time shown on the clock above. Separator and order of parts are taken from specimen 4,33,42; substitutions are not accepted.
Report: 5,31,02
